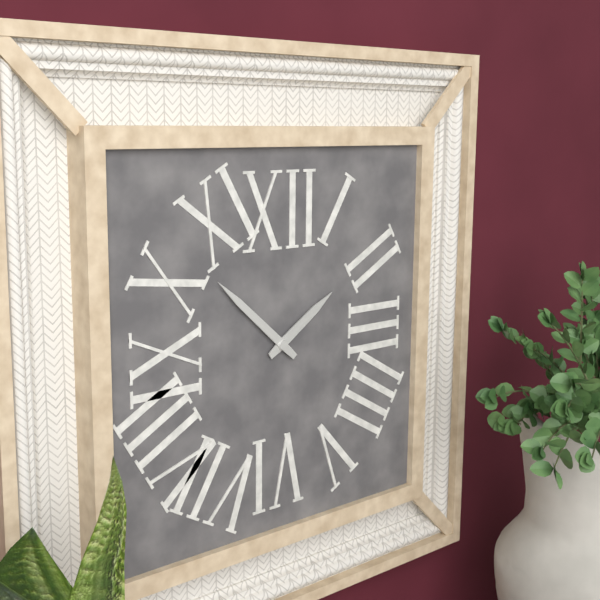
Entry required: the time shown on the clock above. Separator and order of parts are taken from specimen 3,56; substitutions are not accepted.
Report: 1,52
